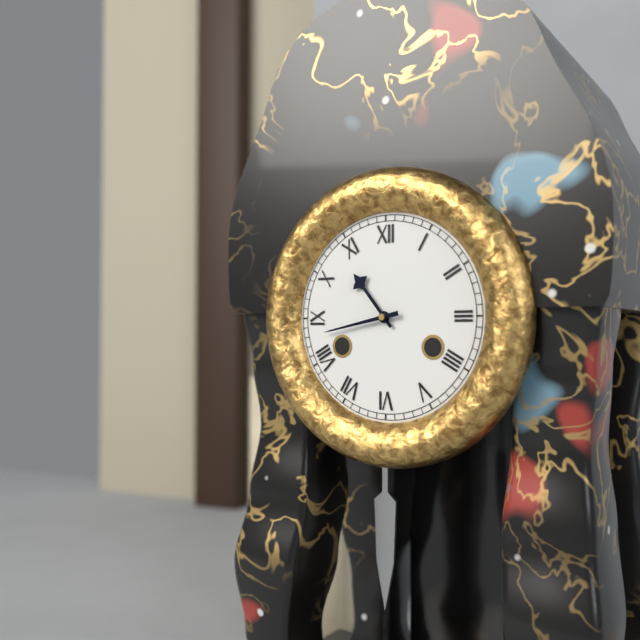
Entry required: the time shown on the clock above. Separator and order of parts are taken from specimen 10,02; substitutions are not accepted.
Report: 10,43
